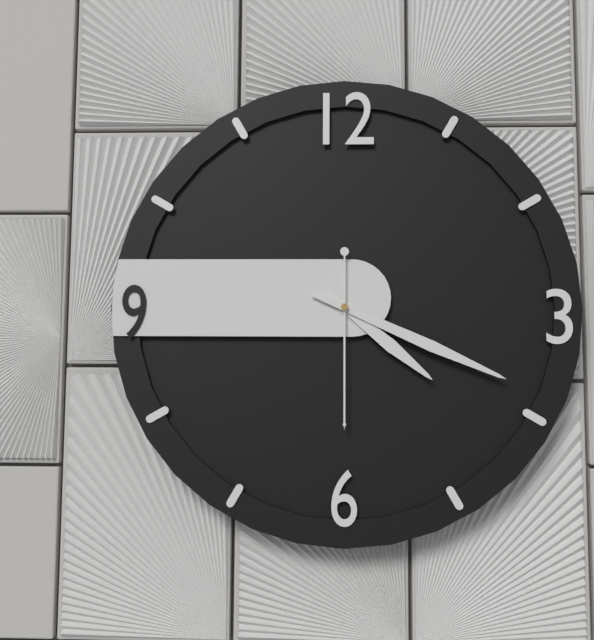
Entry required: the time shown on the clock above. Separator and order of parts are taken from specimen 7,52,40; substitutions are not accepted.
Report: 4,19,30
